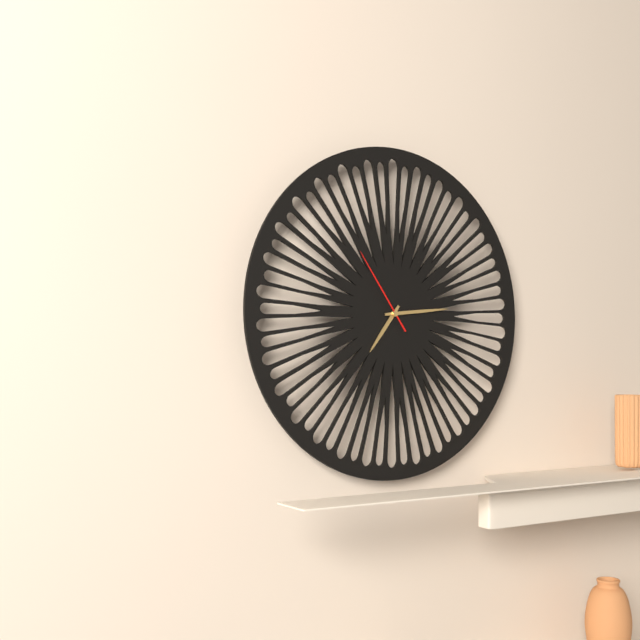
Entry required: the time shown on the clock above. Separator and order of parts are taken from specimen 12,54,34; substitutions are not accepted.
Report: 7,14,54
